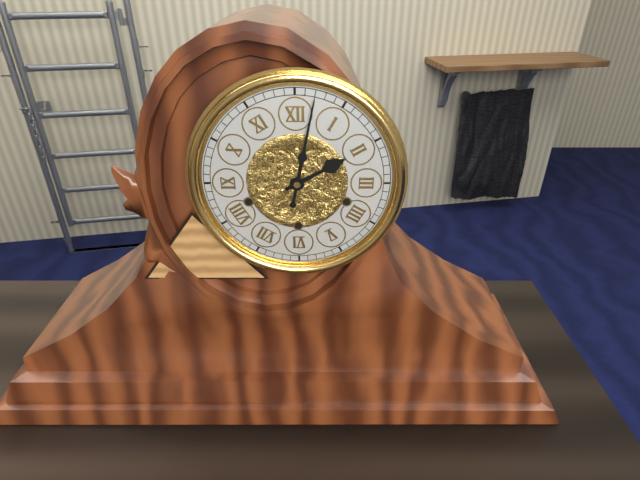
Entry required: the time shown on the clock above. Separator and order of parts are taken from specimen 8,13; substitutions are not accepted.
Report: 2,02
